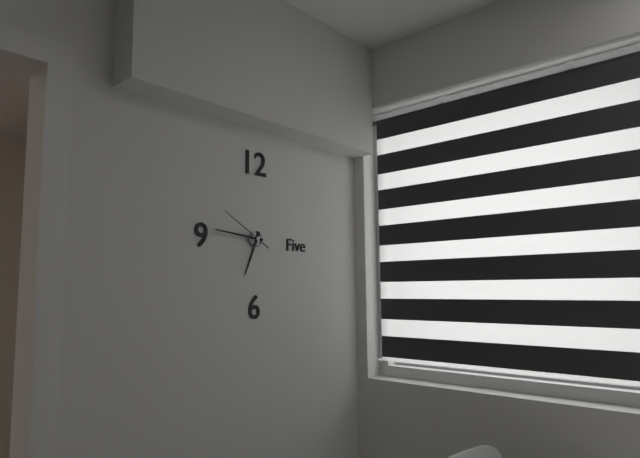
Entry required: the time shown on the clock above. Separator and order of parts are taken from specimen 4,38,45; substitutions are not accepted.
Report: 6,46,50
